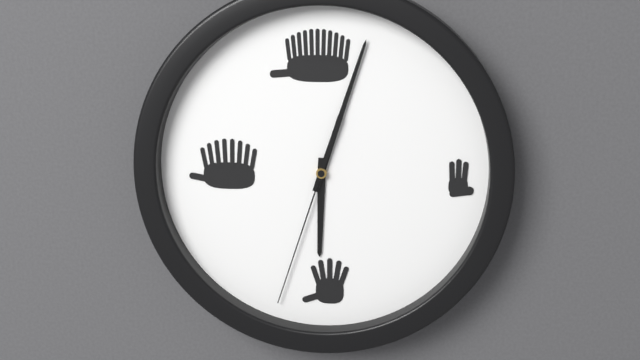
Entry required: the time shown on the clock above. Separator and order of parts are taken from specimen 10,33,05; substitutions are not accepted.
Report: 6,03,33
